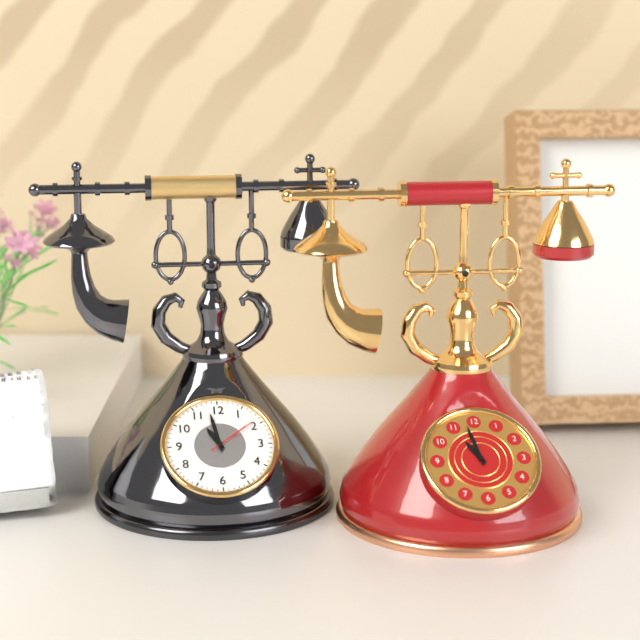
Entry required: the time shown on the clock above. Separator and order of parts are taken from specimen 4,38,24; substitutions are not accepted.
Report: 10,58,09
